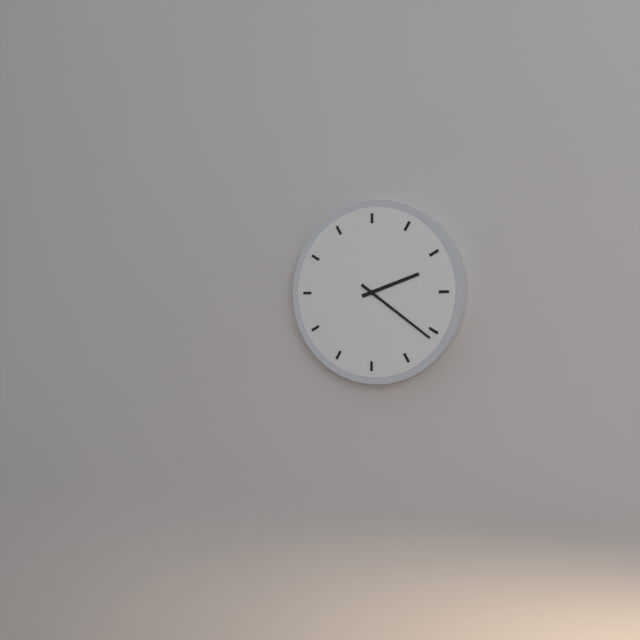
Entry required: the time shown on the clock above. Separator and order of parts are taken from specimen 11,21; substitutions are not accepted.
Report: 2,21
